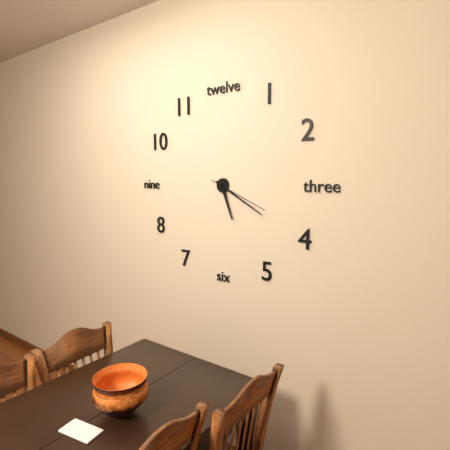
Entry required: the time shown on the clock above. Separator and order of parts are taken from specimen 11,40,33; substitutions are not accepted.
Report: 5,20,19
